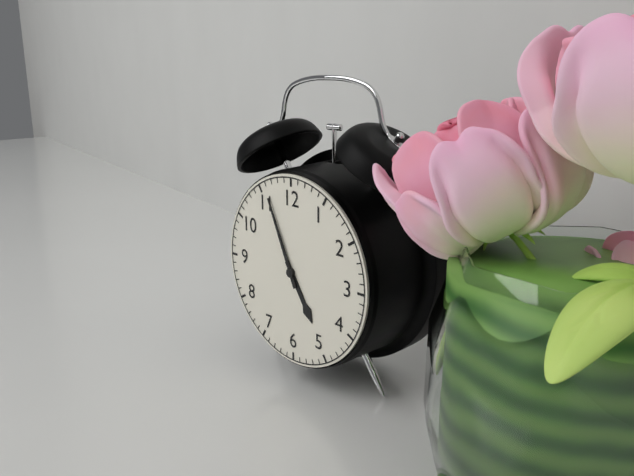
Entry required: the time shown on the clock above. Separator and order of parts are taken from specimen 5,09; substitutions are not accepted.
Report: 4,56
